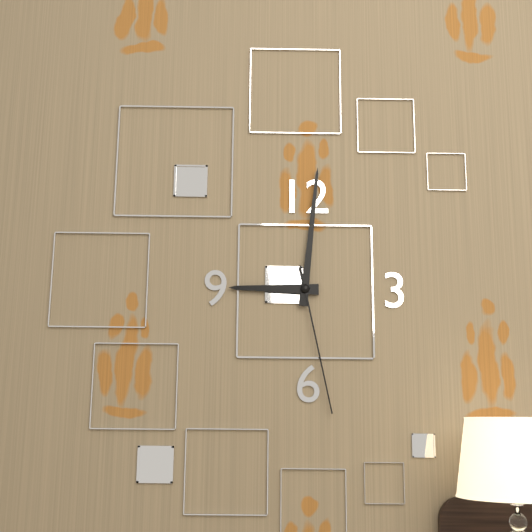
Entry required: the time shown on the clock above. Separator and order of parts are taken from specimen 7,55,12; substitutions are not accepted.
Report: 9,01,28
